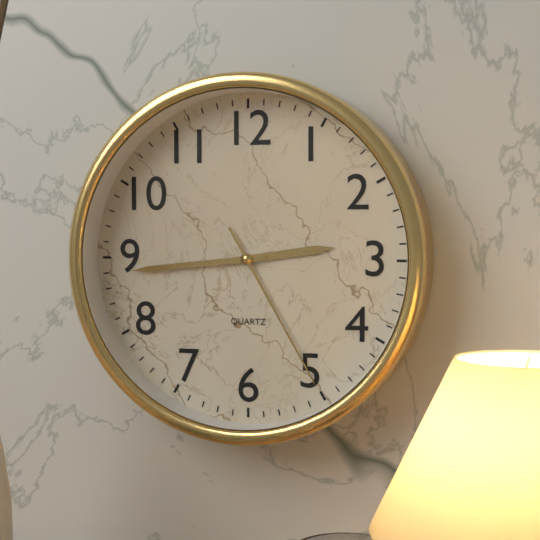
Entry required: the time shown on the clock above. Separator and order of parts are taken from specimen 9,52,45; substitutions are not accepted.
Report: 2,44,25
